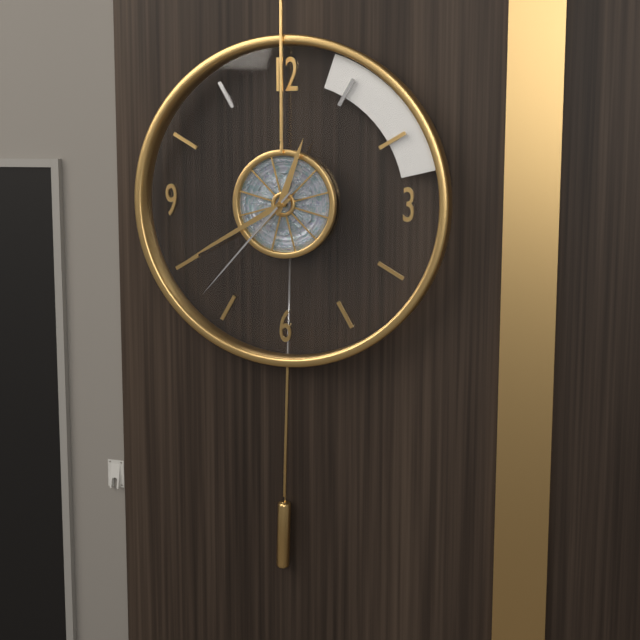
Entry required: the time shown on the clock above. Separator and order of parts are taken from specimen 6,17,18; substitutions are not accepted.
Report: 12,40,37
